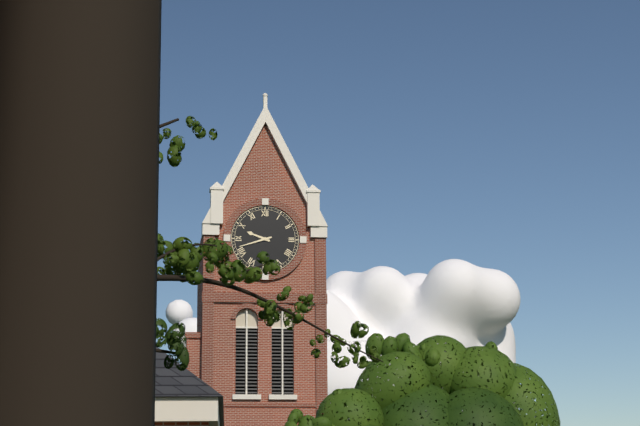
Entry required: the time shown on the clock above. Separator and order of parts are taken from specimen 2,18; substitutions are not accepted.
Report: 9,42
